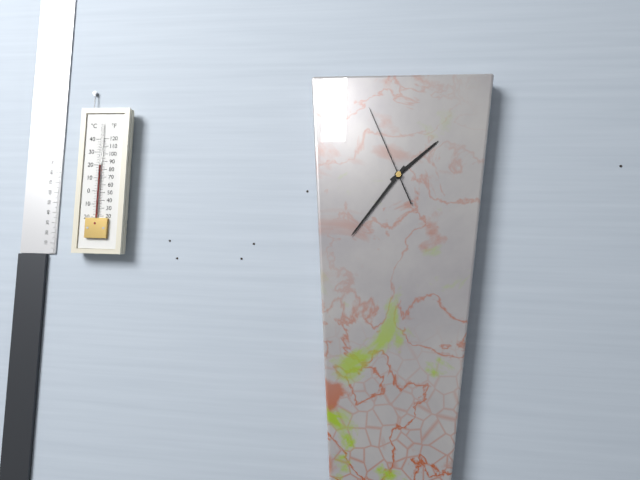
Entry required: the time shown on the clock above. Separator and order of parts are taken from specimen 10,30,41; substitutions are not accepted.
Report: 1,36,56
